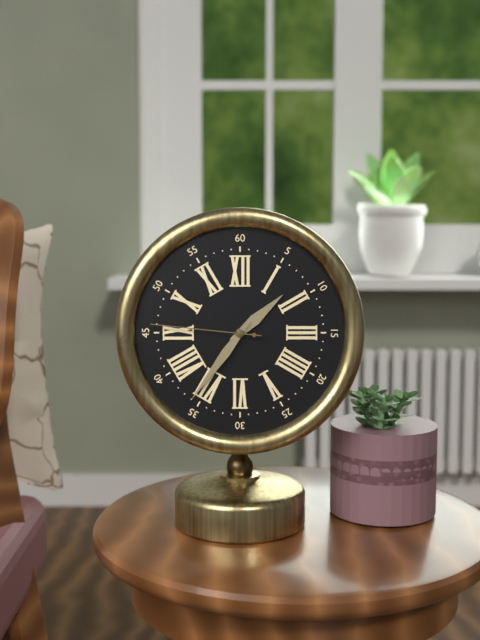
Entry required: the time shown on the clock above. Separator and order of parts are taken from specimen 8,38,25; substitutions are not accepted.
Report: 1,36,46
